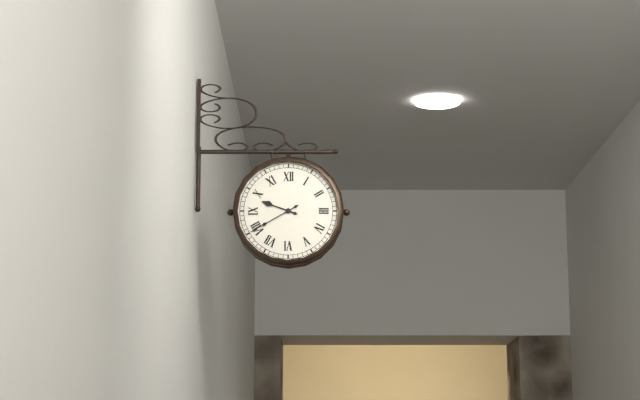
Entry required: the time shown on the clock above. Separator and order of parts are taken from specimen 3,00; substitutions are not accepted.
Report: 9,40
